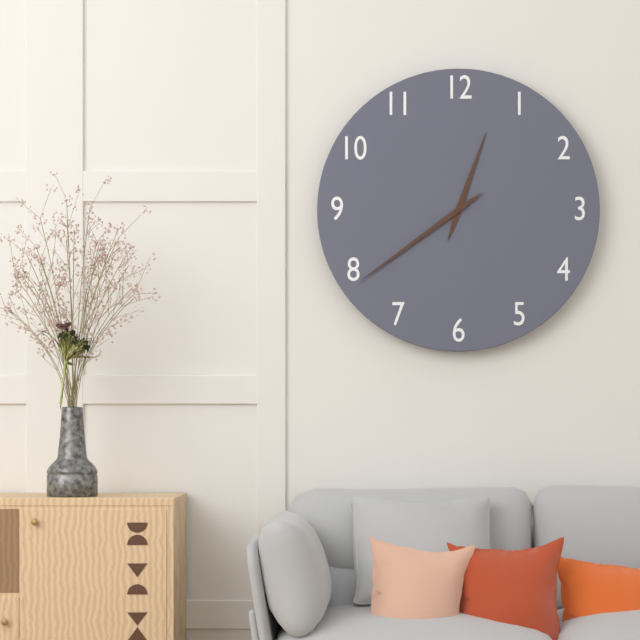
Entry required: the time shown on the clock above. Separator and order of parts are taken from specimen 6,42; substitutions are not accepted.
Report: 12,39
